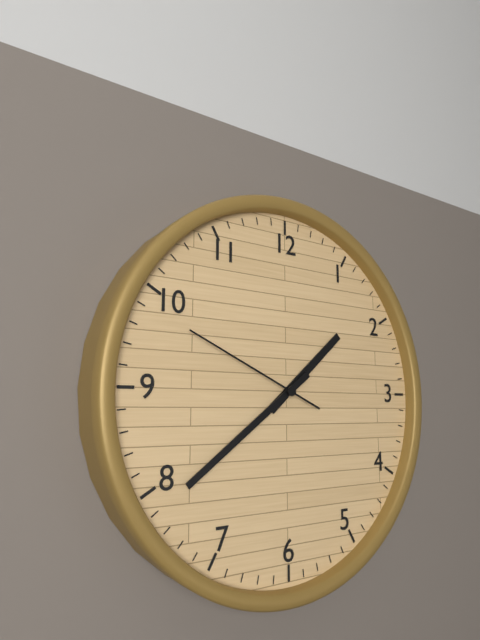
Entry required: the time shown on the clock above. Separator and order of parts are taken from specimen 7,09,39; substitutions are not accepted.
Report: 1,39,49
